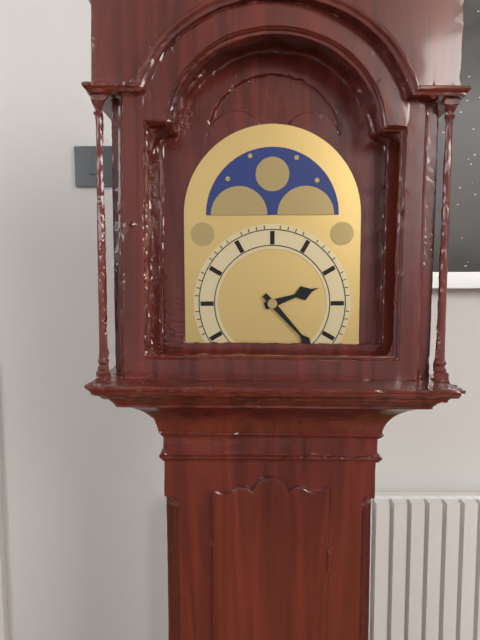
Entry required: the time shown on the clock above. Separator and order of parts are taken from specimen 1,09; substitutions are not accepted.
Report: 2,23
